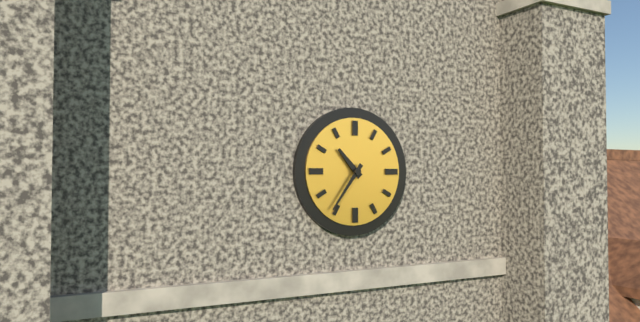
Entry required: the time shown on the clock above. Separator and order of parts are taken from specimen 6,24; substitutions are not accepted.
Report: 10,36
